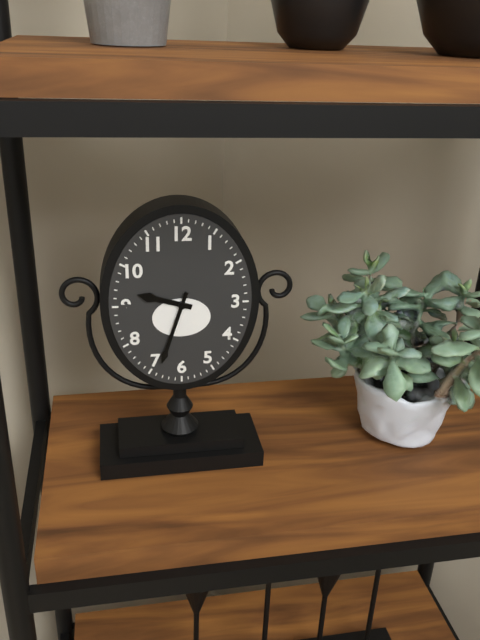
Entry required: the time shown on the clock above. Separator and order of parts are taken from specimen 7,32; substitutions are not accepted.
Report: 9,33
